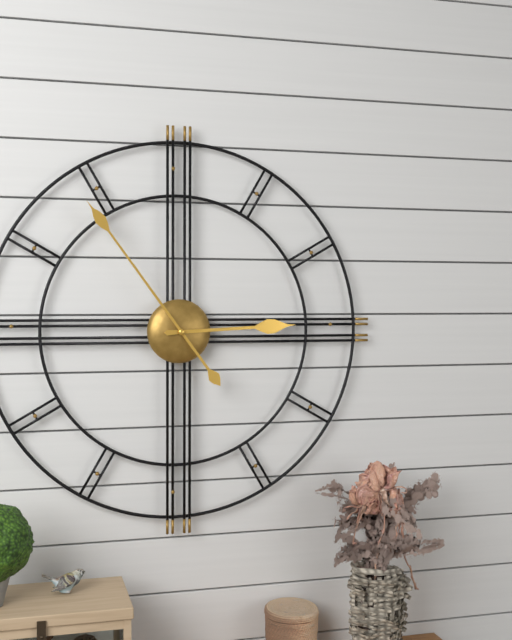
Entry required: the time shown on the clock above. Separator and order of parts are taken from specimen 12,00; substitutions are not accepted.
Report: 2,54
